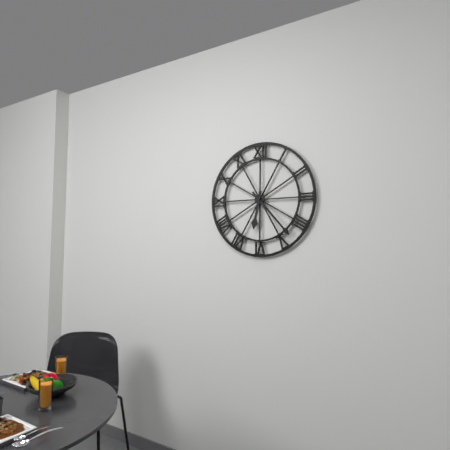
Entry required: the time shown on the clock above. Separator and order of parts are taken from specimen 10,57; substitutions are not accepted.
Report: 6,23
